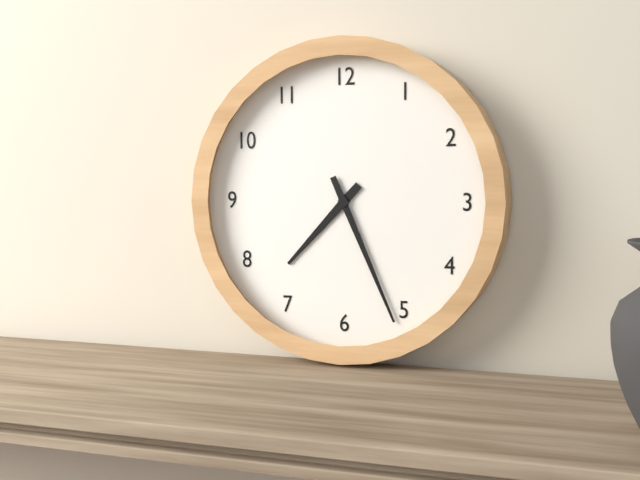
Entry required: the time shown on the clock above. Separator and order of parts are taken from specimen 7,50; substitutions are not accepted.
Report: 7,26
